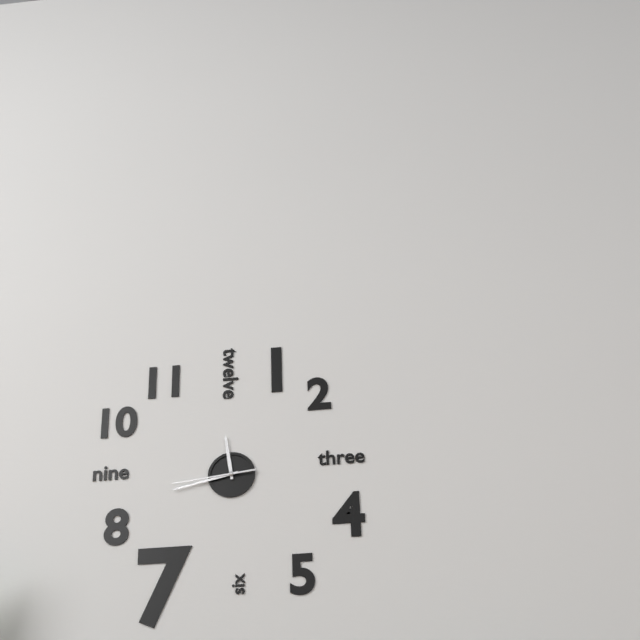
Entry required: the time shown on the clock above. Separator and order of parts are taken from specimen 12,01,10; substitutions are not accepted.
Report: 11,43,44
